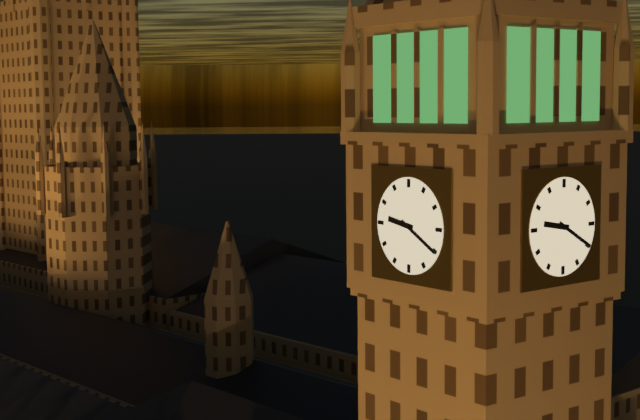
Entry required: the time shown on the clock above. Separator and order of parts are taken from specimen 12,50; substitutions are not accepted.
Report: 9,20
